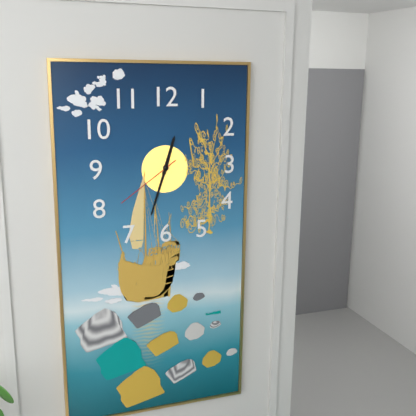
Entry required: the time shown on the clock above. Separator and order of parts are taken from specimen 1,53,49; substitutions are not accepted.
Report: 12,33,39
